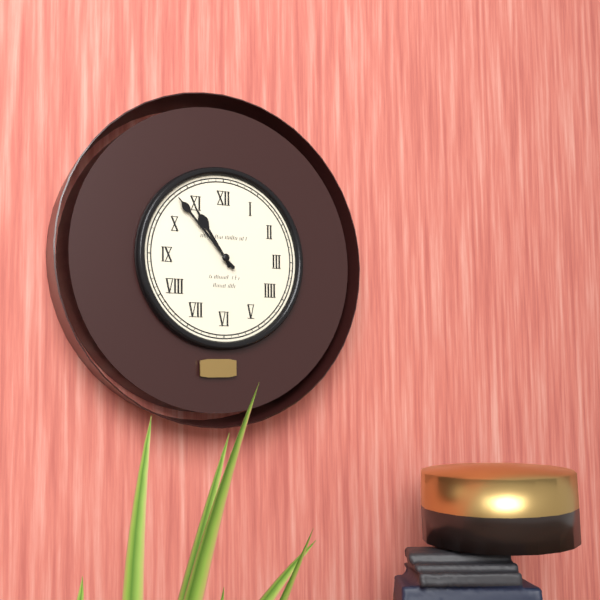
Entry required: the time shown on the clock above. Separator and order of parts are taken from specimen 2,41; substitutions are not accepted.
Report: 10,53
